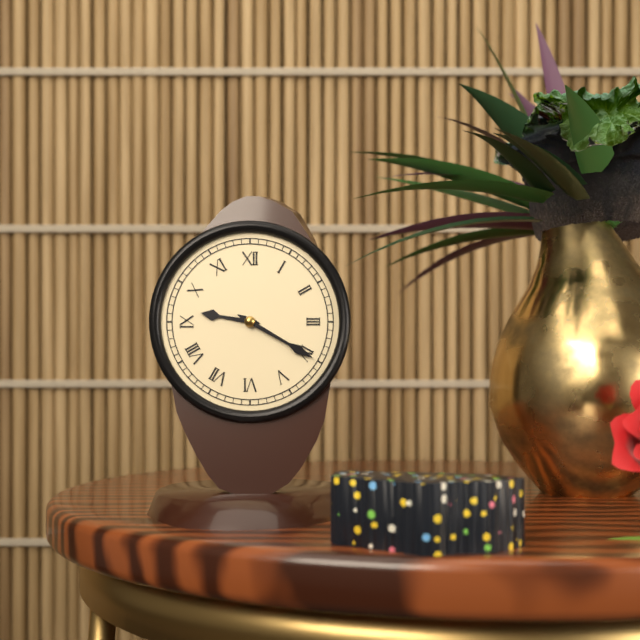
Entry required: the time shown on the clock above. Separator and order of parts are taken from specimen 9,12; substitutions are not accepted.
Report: 9,20
